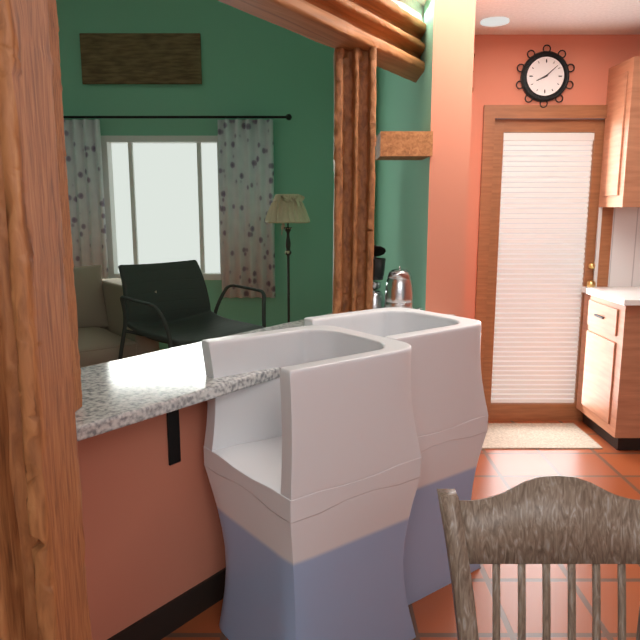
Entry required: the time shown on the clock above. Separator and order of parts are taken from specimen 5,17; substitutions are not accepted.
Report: 8,08
